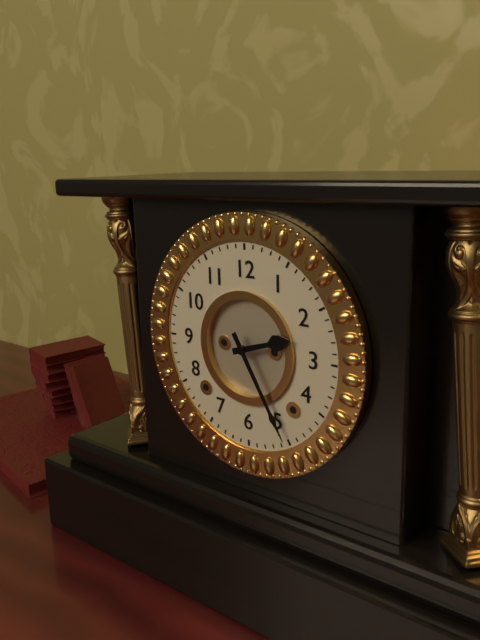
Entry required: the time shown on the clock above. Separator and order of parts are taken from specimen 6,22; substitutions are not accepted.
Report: 2,25
